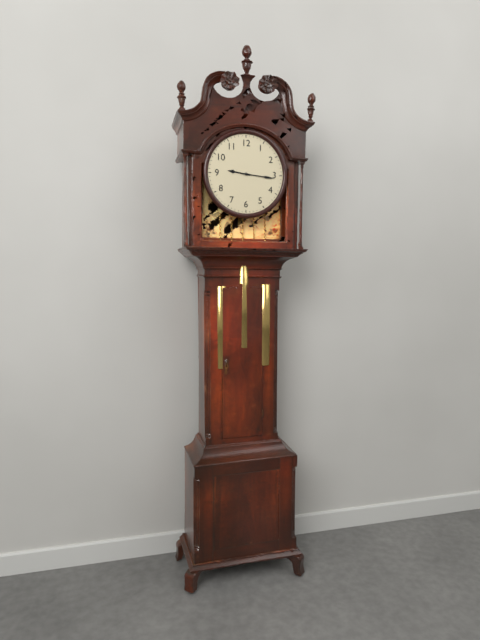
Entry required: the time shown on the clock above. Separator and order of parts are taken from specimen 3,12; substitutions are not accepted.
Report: 9,16
